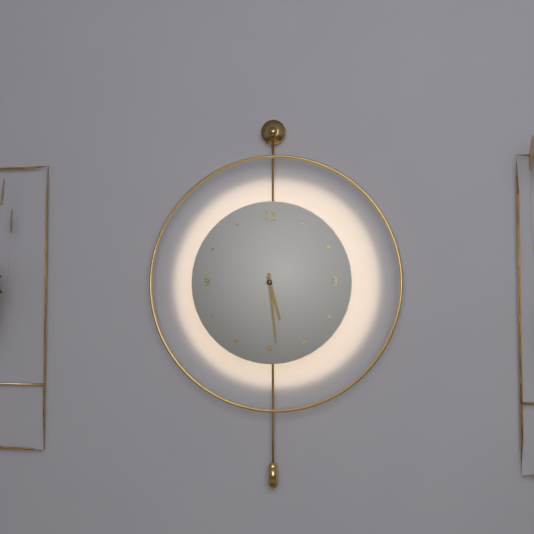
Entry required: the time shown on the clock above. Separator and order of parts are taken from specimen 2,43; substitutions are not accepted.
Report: 5,29
